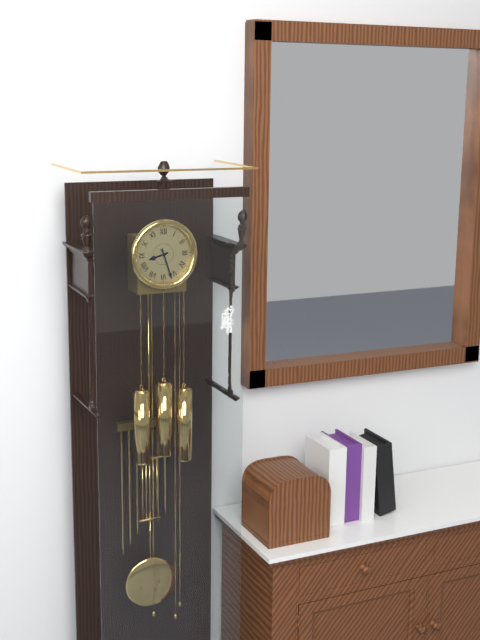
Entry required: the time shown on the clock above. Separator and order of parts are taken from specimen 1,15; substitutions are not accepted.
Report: 8,27
